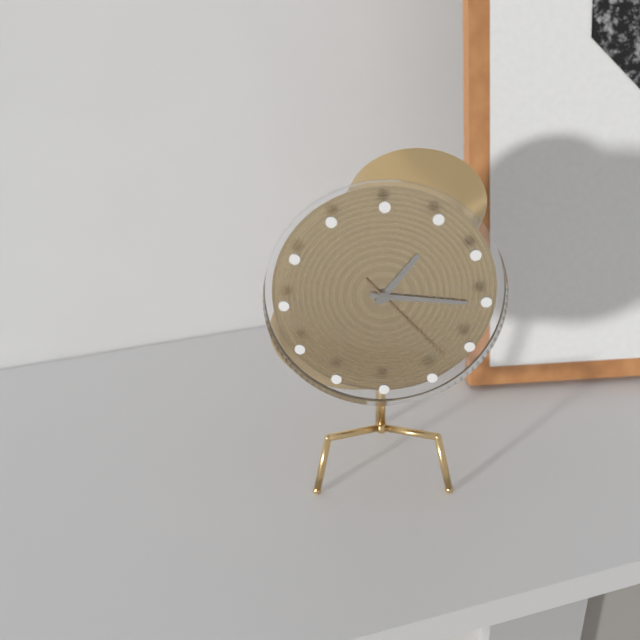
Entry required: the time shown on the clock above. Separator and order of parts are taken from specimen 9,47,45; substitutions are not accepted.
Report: 1,16,23
